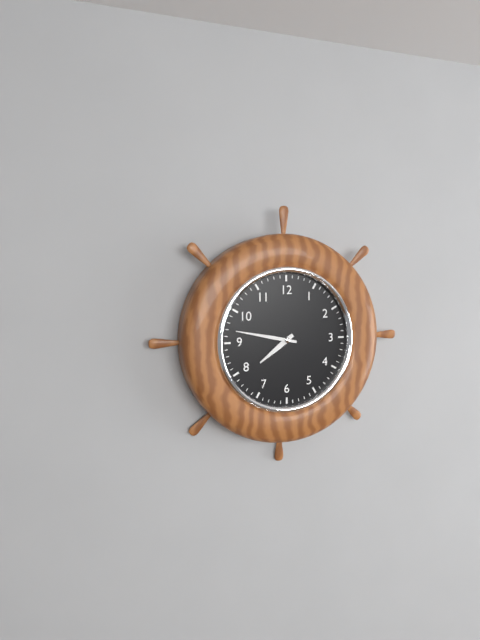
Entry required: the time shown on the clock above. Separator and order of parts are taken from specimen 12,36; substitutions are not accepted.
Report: 7,47
